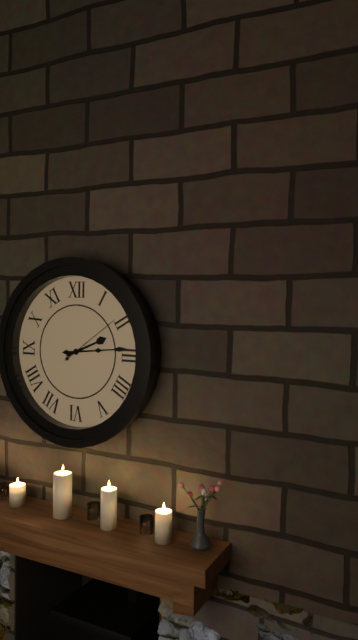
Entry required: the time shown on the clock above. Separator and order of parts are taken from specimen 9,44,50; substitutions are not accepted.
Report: 2,14,09
